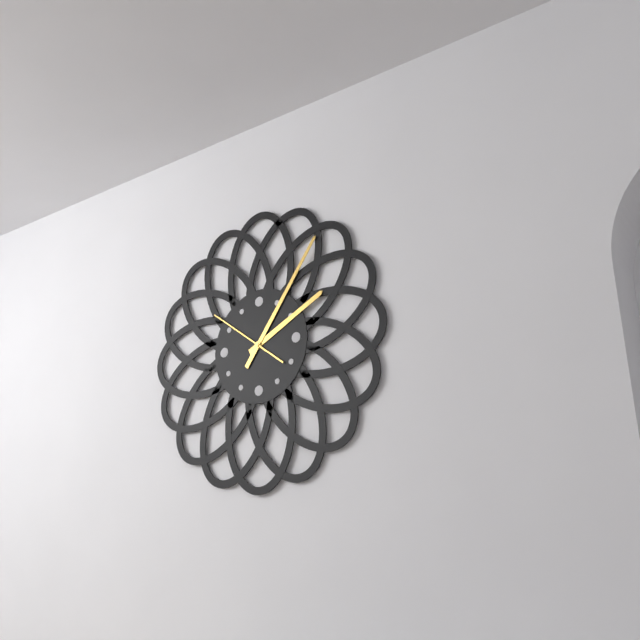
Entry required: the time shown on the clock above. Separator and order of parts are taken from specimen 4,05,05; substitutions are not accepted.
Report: 2,06,51
